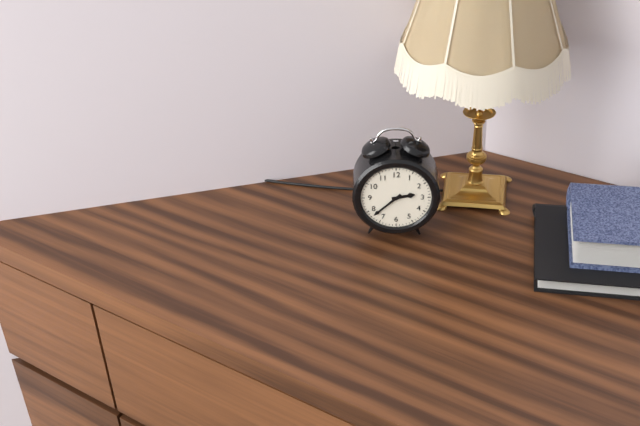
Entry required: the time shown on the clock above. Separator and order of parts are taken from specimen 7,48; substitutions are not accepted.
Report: 2,38
